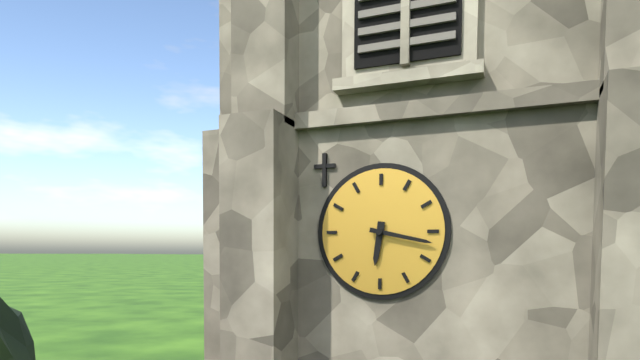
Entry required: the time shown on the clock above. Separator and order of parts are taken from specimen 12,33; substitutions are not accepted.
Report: 6,17
